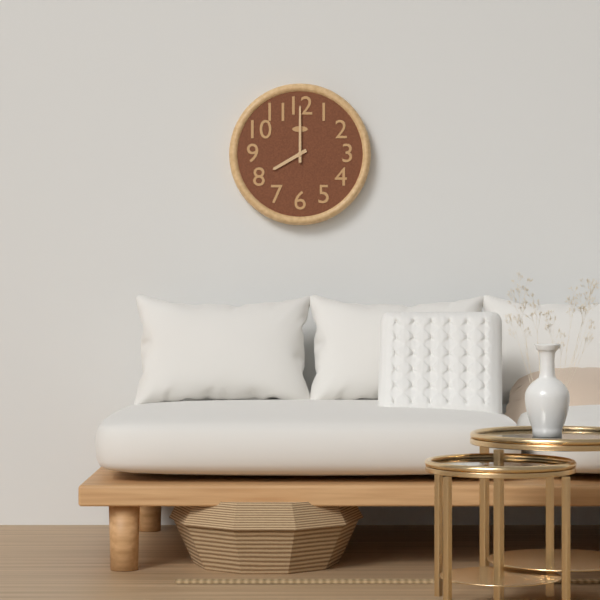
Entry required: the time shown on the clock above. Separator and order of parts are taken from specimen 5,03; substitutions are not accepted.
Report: 8,00
